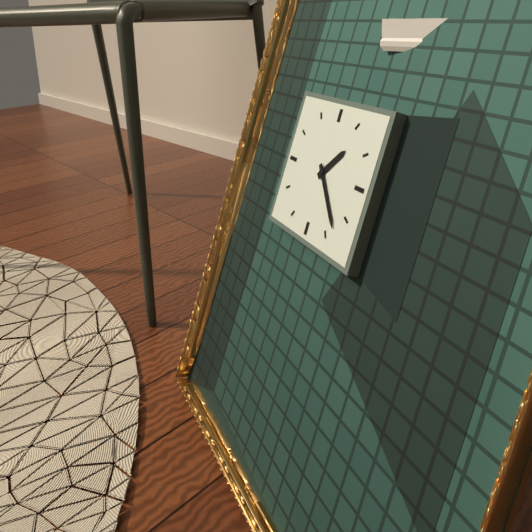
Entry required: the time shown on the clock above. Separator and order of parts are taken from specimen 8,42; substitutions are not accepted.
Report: 1,23
